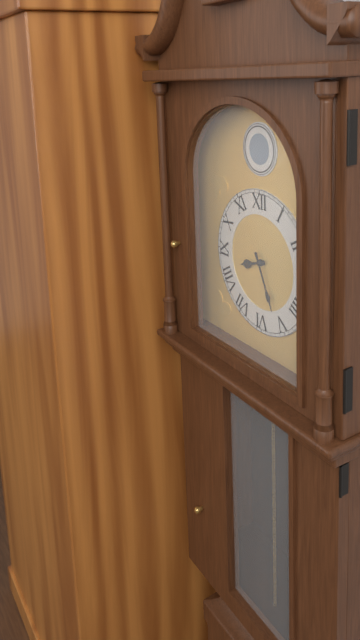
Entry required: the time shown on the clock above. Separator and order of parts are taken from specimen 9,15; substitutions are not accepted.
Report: 8,26
